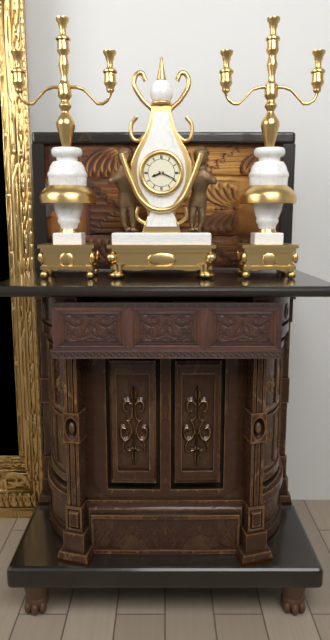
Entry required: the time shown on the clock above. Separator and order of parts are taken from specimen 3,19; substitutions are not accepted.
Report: 8,19
